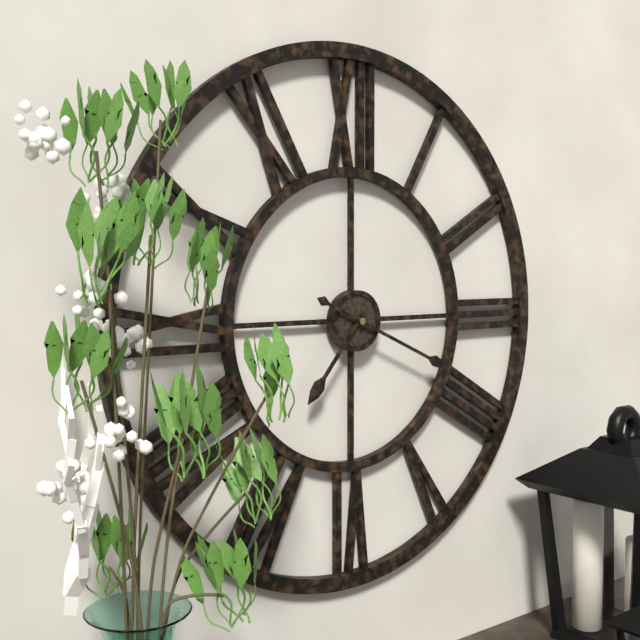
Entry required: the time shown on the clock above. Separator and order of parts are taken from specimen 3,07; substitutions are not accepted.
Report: 7,19
